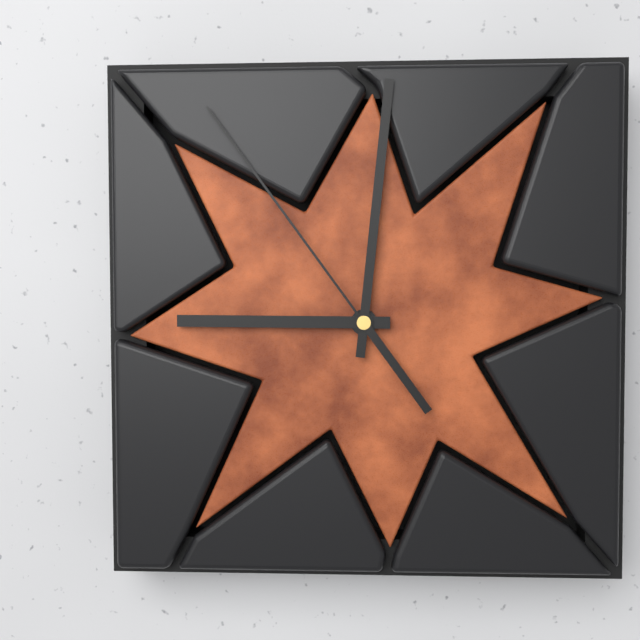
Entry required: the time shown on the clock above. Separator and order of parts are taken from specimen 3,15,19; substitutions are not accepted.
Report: 9,01,54
